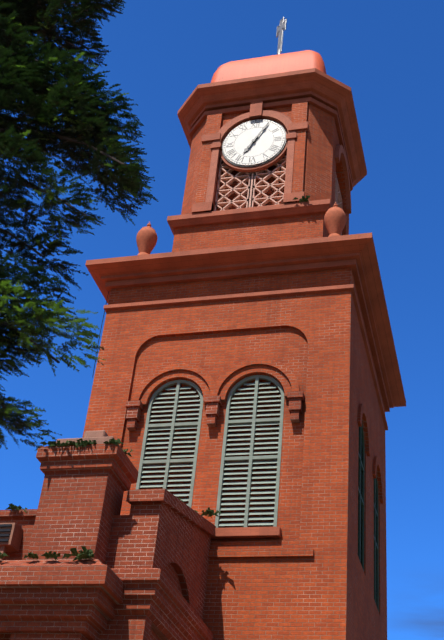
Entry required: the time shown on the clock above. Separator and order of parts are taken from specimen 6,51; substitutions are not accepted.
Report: 7,05
